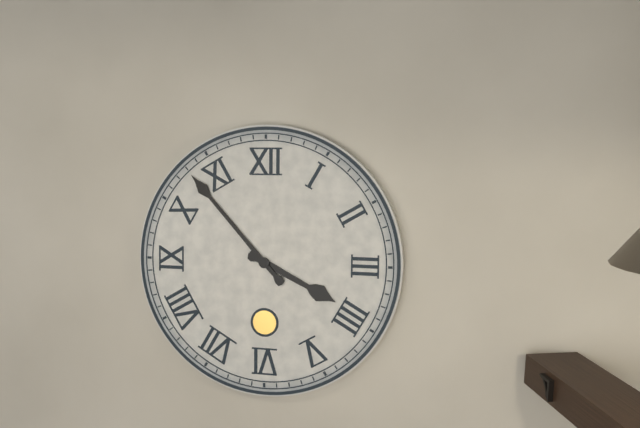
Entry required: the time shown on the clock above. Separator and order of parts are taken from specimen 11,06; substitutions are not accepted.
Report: 3,53
